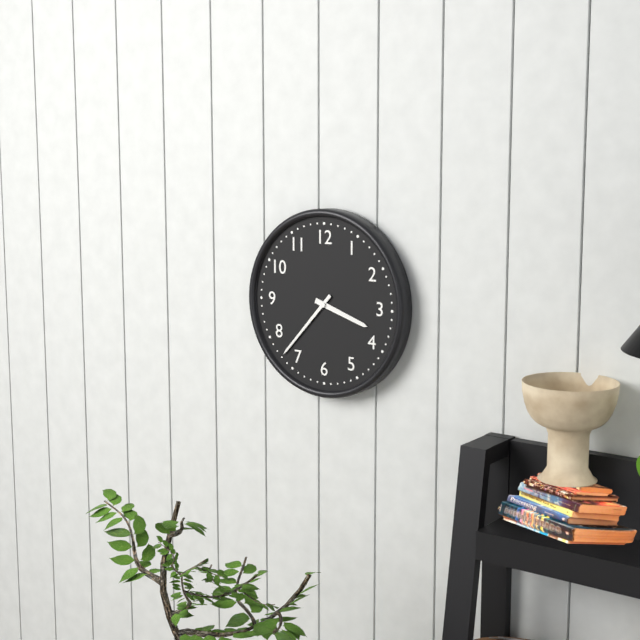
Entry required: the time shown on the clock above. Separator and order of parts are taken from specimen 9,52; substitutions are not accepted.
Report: 3,37
